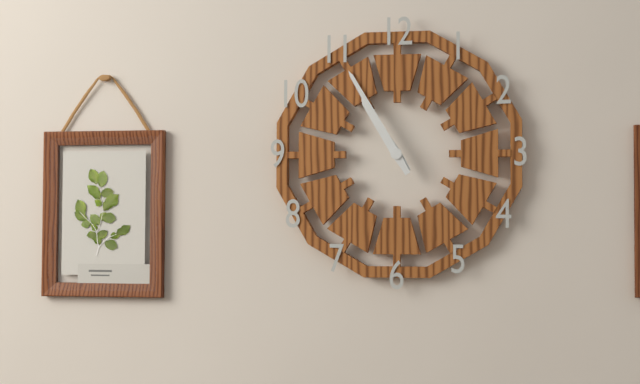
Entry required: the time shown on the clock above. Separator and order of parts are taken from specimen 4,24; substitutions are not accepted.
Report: 10,55
